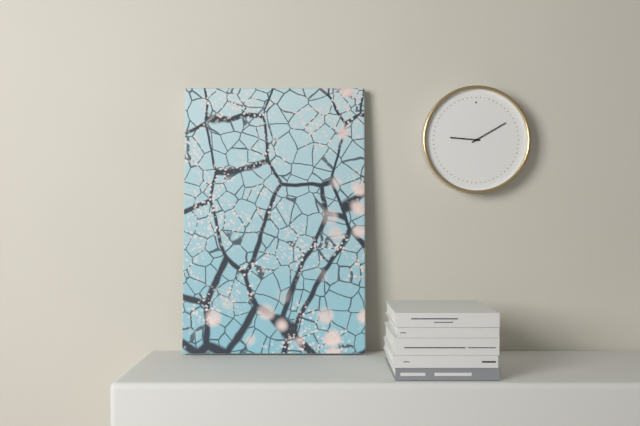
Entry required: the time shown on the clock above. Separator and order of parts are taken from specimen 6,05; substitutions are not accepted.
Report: 9,10
